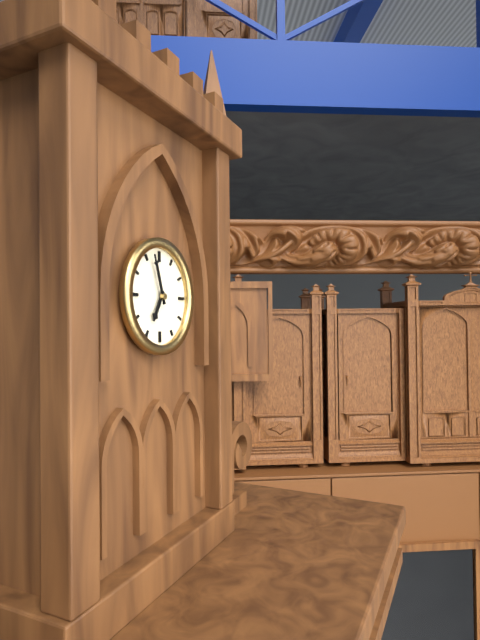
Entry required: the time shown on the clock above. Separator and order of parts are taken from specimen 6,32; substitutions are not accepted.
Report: 6,57
